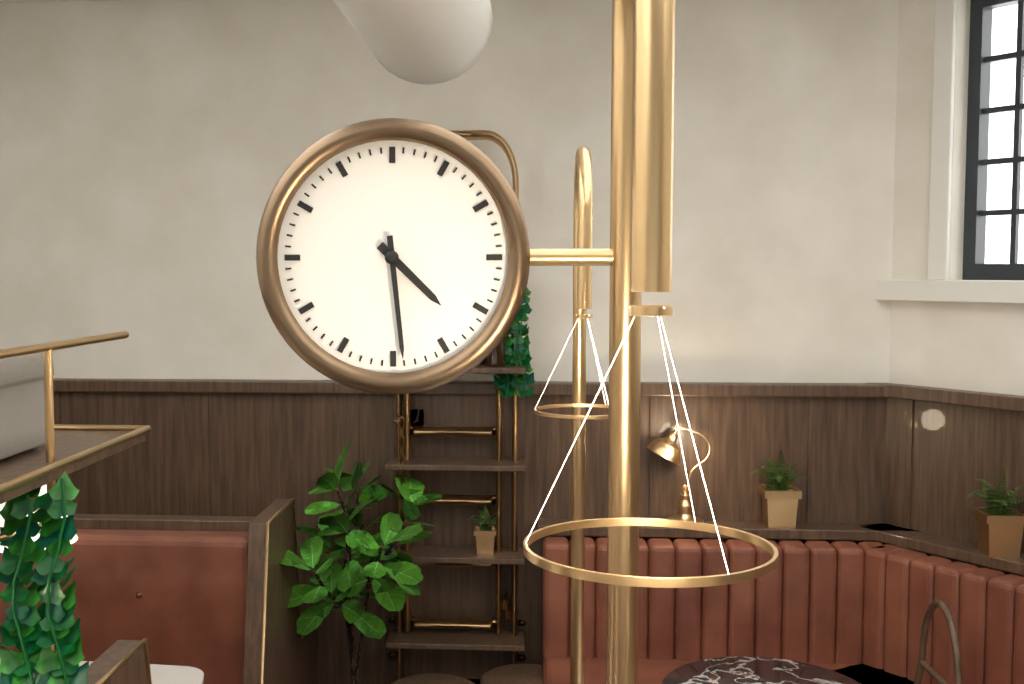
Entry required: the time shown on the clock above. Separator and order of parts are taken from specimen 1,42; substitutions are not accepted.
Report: 4,29
